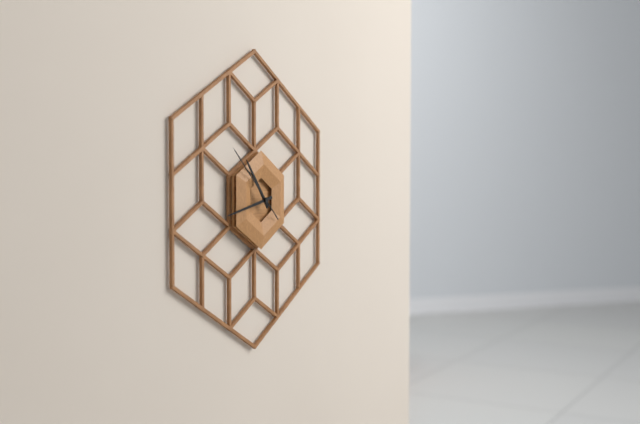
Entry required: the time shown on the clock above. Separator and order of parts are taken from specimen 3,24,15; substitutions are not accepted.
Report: 10,43,52
